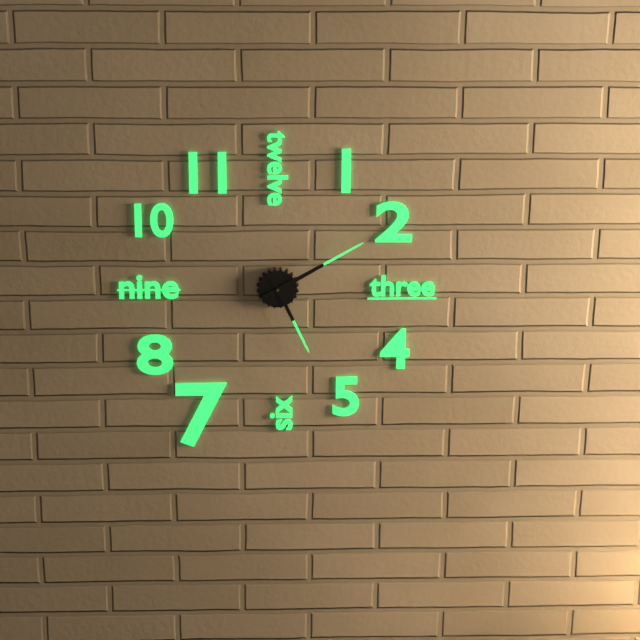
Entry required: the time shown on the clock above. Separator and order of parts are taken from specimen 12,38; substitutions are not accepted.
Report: 5,10
